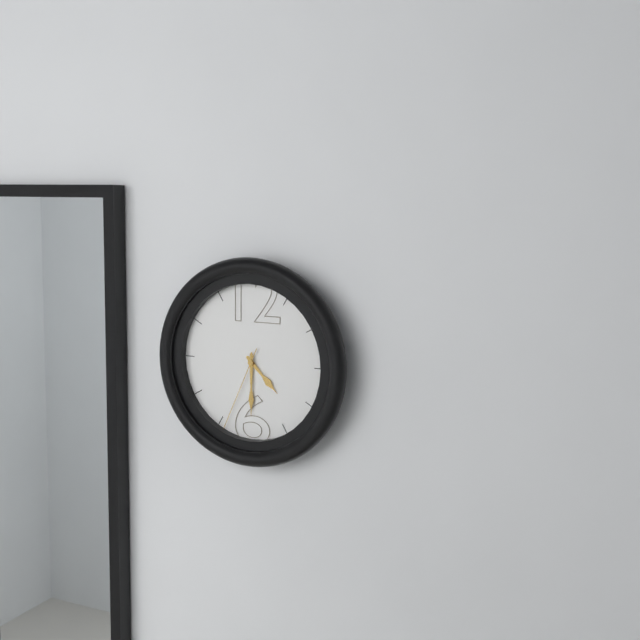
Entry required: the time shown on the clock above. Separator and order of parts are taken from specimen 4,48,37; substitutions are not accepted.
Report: 4,30,34
